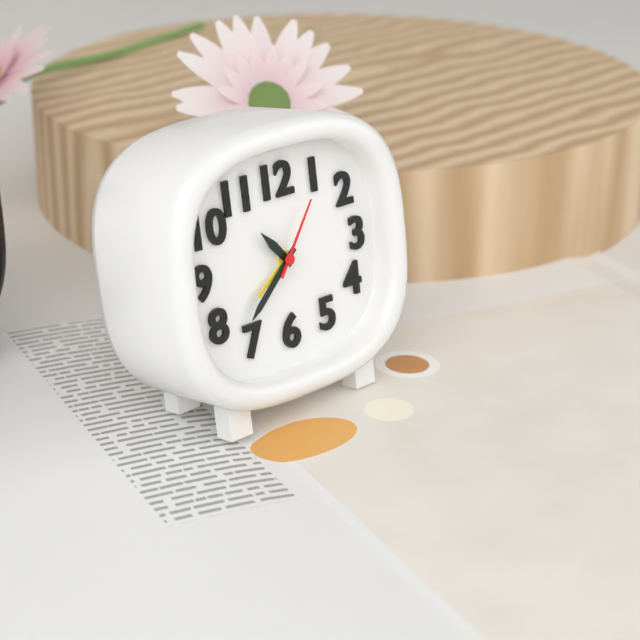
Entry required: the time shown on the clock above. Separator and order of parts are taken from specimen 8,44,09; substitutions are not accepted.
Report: 10,38,06
